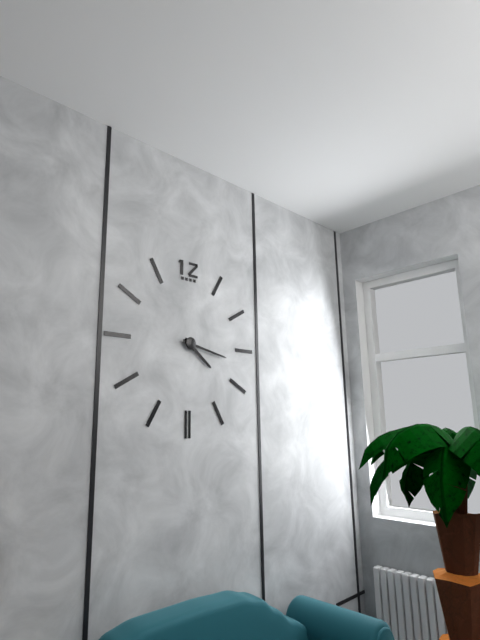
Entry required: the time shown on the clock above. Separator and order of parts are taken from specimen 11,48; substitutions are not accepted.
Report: 4,17
